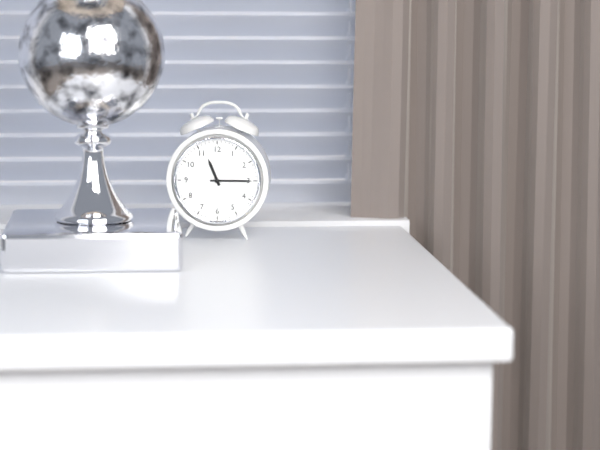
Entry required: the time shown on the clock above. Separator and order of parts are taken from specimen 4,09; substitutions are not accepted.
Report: 11,15
